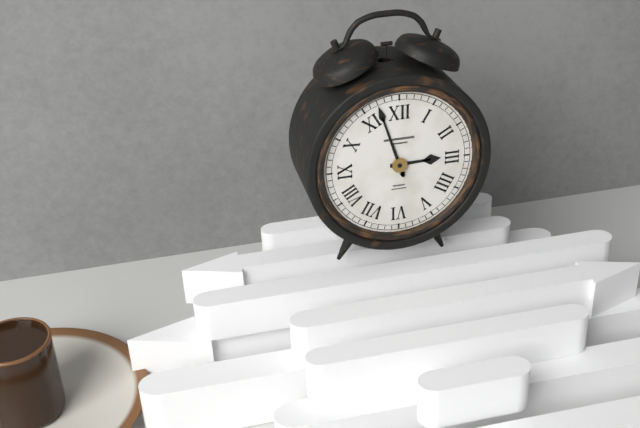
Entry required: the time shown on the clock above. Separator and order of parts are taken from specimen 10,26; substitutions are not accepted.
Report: 2,57
